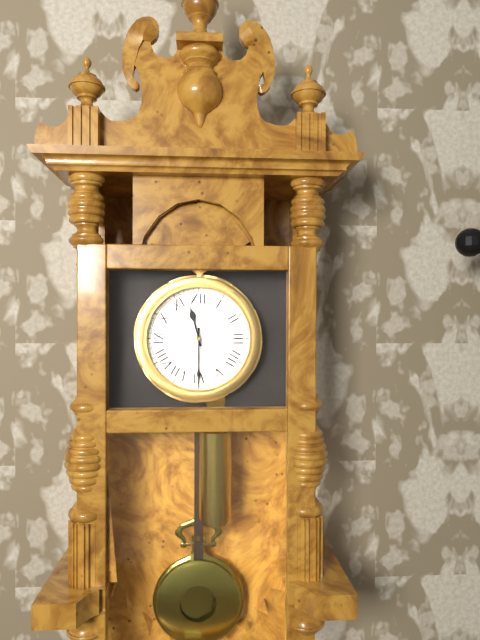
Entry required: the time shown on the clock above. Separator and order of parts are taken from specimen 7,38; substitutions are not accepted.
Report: 11,30
